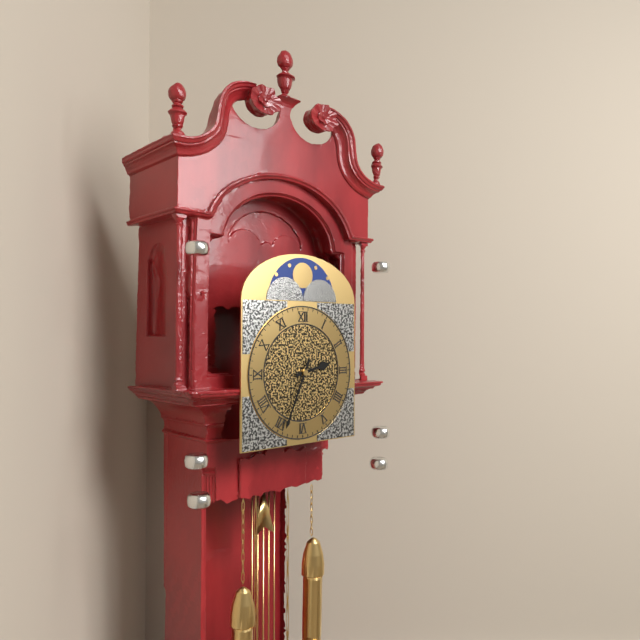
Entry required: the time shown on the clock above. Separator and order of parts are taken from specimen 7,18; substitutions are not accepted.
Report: 2,34
